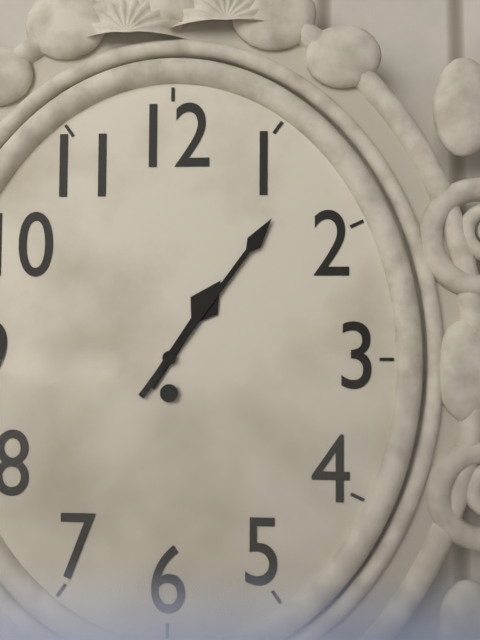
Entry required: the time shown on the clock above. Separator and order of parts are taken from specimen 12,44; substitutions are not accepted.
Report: 1,06
